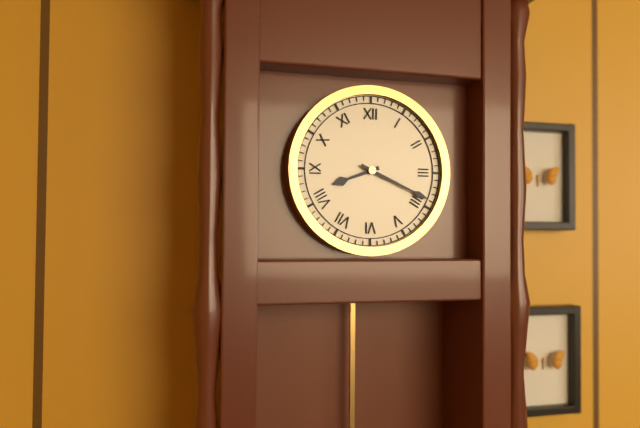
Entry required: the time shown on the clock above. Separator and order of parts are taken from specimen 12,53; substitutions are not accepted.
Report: 8,19
